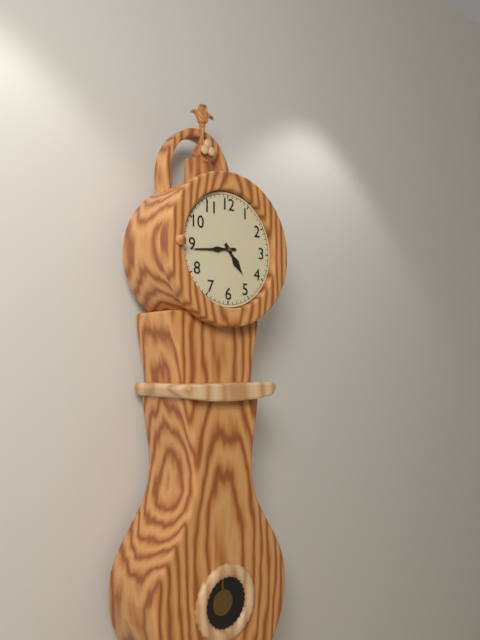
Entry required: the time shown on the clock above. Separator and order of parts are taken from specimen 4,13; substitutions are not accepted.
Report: 4,44
